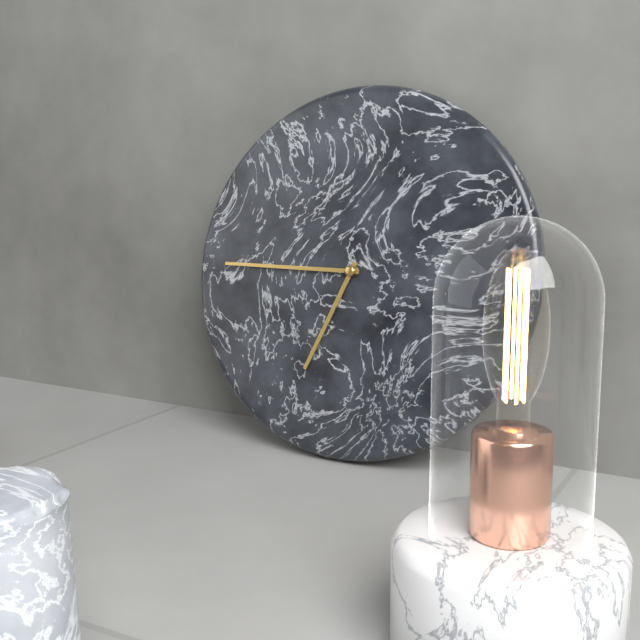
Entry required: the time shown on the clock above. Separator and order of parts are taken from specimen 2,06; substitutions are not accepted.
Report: 6,45
